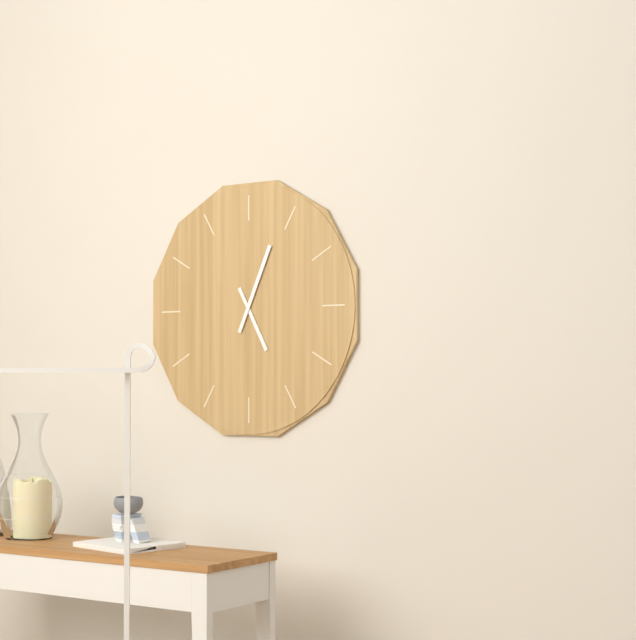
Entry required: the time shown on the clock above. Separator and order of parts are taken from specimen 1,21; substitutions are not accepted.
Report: 5,04
